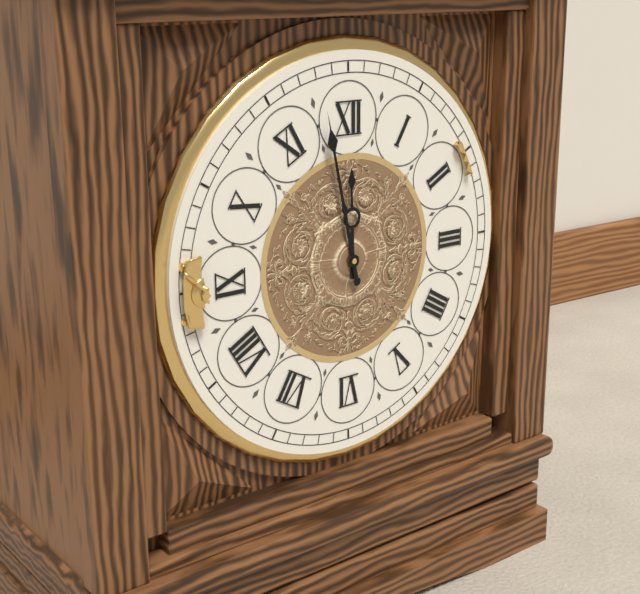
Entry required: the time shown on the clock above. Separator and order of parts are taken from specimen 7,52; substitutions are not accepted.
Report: 11,58
